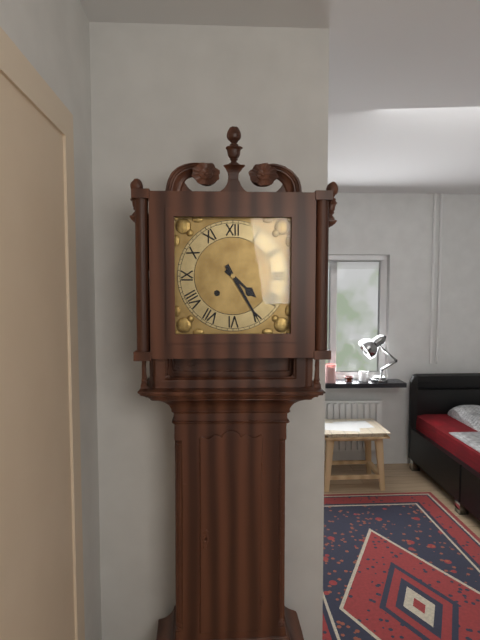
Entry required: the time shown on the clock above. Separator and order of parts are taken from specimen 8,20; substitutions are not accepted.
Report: 4,25
